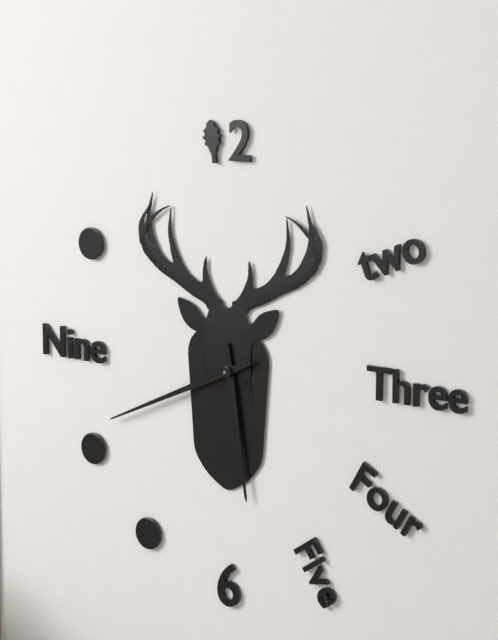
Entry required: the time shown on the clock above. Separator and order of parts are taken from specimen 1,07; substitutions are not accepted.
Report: 5,41
